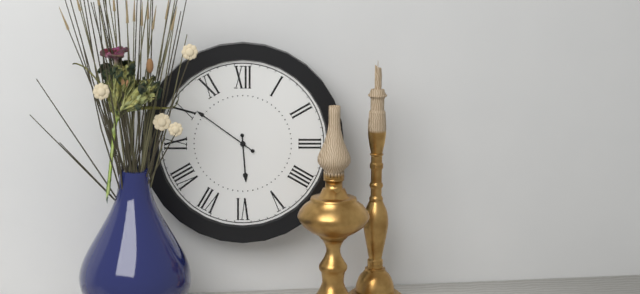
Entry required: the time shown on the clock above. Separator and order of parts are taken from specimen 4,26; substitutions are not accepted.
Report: 5,51
